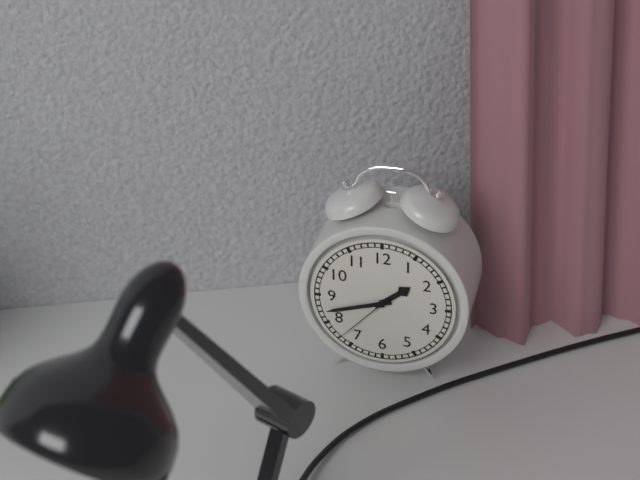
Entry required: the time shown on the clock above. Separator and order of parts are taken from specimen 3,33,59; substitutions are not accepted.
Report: 1,42,37
